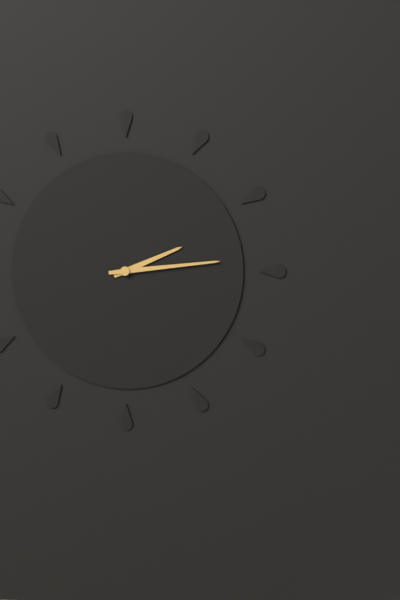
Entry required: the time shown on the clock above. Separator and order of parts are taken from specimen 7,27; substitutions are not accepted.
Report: 2,14
